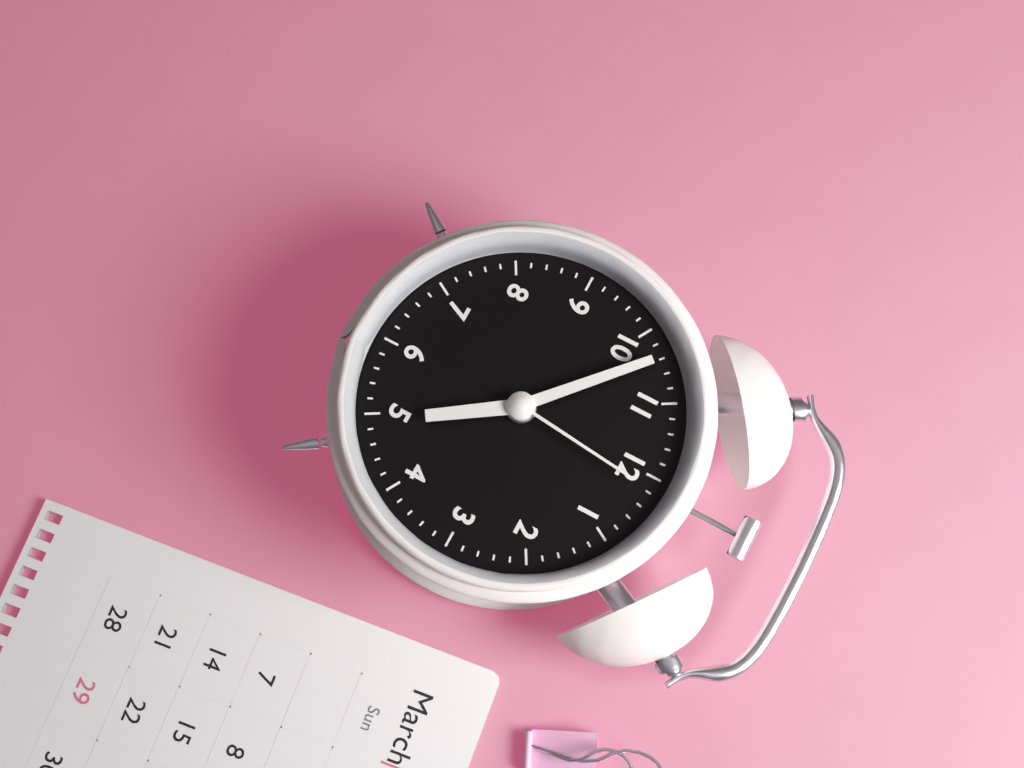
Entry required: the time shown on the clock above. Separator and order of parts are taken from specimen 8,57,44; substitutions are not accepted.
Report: 4,52,01
